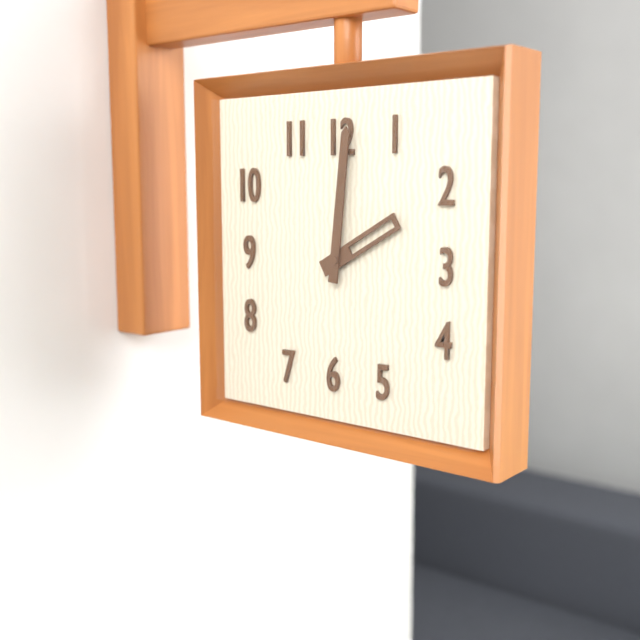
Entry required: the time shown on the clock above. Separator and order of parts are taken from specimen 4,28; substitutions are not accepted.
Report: 2,01
